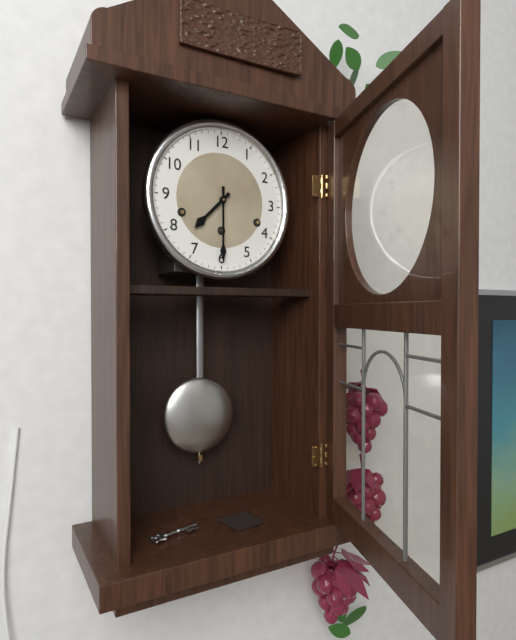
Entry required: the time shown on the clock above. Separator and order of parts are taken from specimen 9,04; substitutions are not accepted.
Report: 7,30
